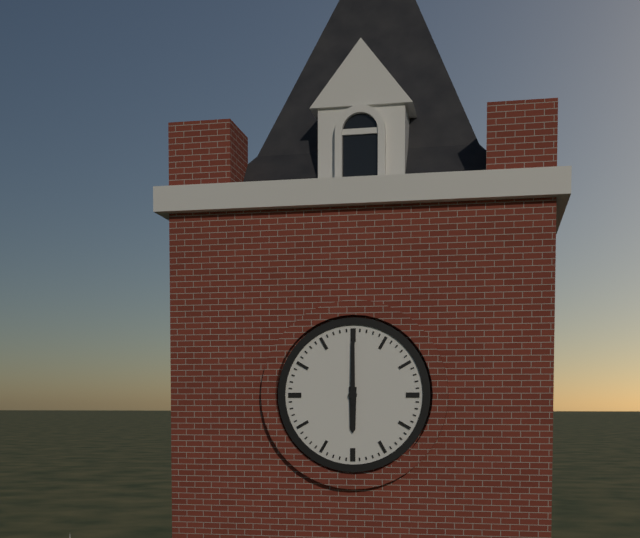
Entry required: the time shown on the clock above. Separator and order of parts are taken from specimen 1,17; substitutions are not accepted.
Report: 6,00
